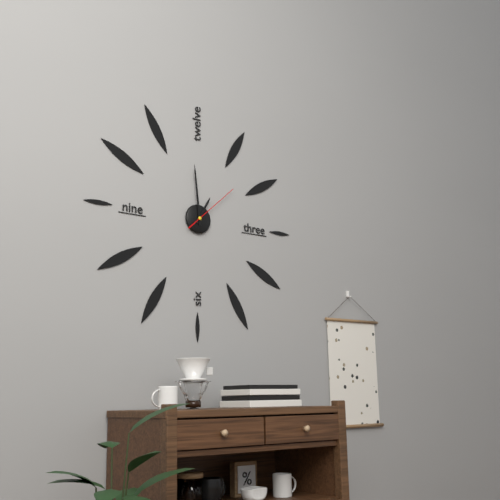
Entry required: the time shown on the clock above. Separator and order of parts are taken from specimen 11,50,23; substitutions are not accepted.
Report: 12,59,08
